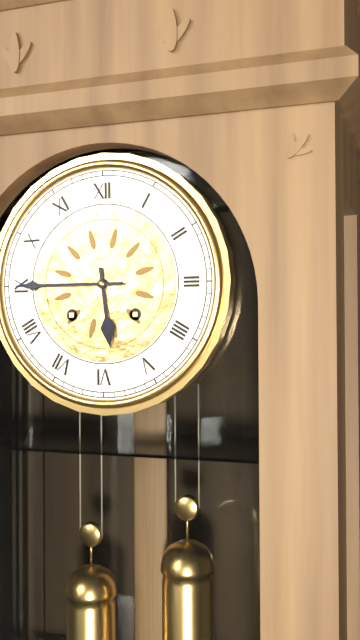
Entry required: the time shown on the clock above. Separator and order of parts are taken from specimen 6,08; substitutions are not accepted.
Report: 5,45
